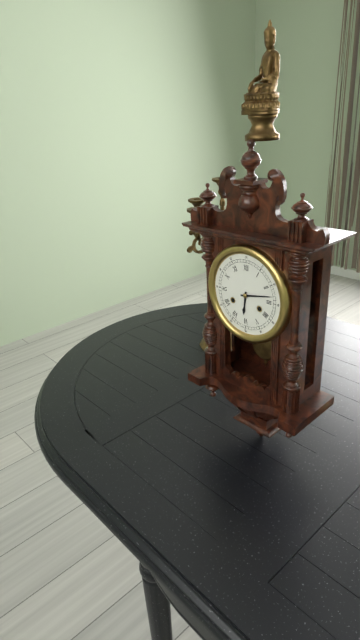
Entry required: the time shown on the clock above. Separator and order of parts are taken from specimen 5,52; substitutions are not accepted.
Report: 6,13
